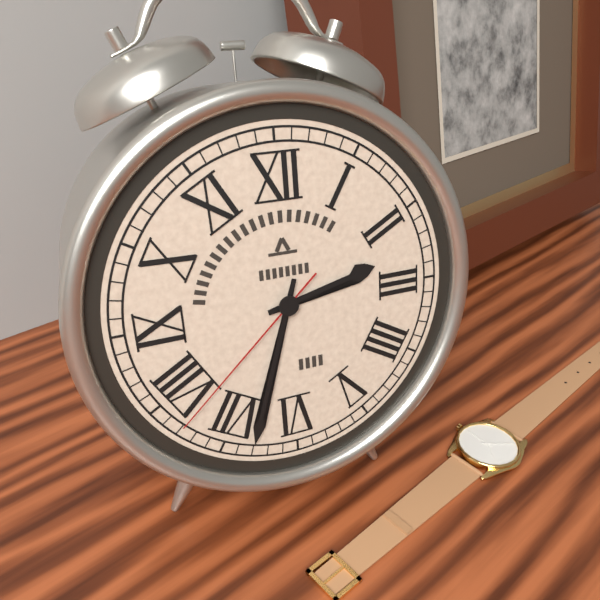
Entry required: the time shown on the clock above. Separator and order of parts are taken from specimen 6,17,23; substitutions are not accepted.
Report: 2,33,38
